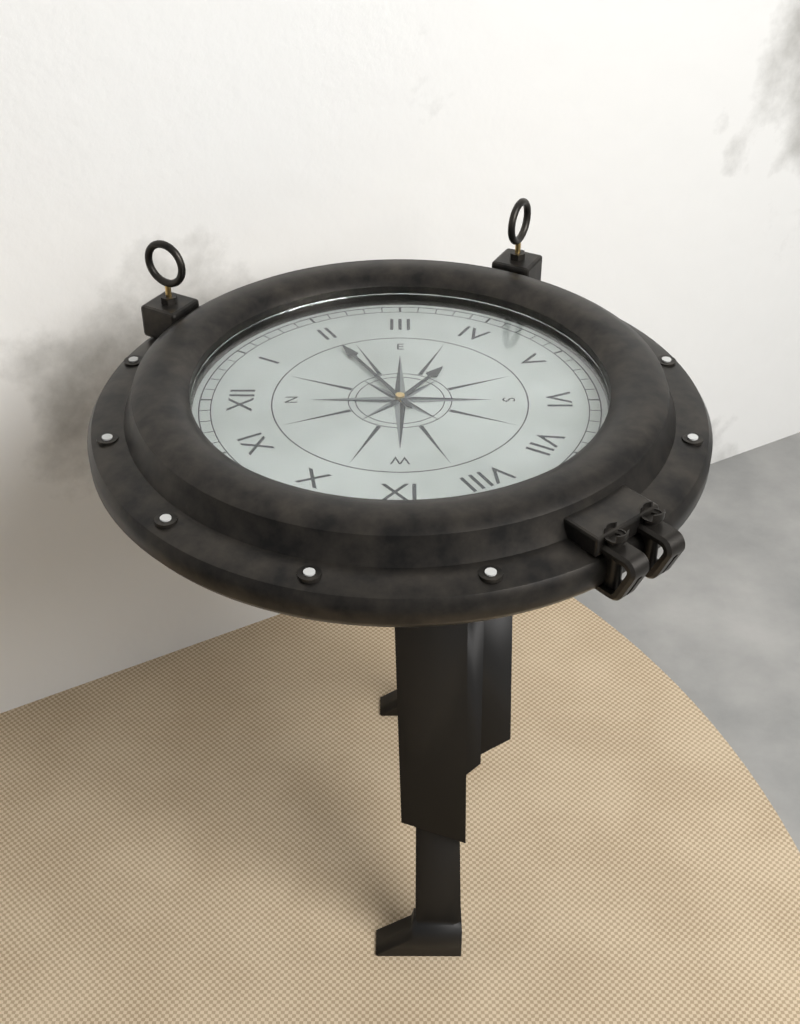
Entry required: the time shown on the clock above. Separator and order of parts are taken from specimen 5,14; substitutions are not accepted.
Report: 4,10
